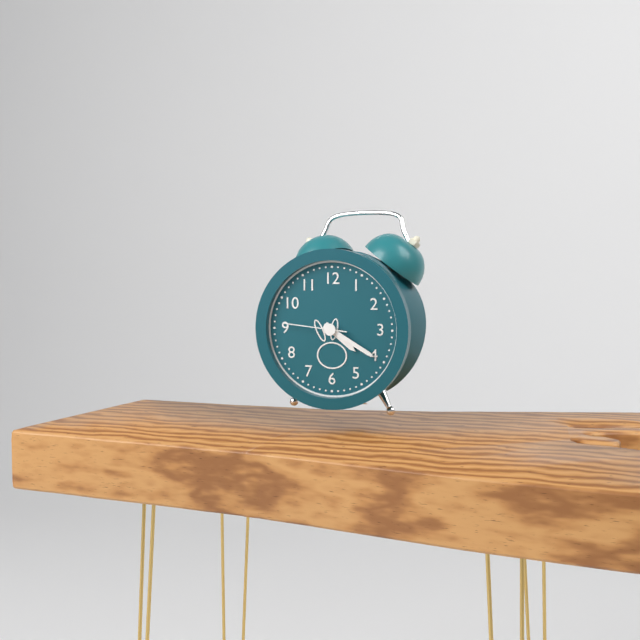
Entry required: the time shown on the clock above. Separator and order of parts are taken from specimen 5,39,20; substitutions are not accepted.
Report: 4,20,46
